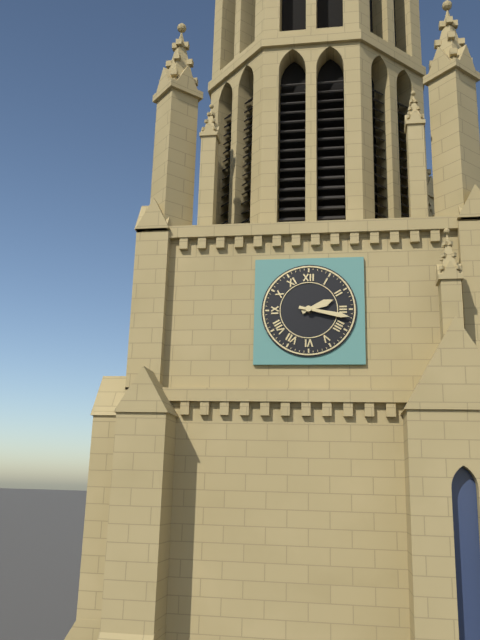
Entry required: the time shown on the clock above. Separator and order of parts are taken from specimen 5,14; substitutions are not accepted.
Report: 2,17
